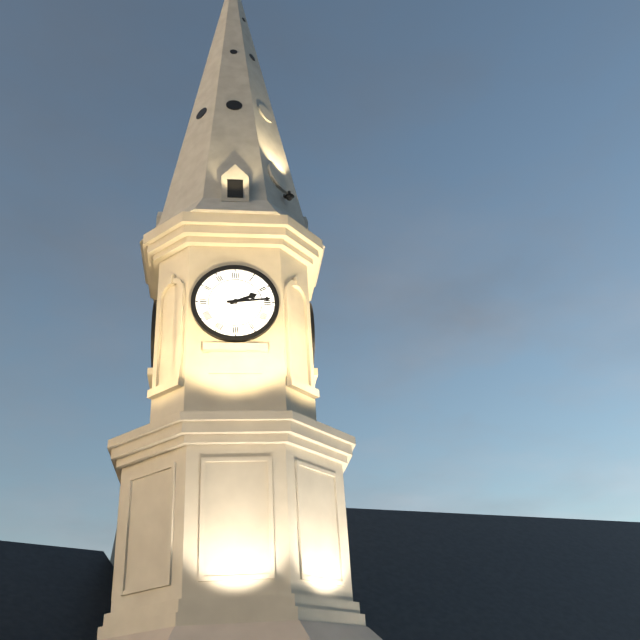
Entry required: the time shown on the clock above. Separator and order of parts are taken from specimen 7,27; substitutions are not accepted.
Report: 2,14
